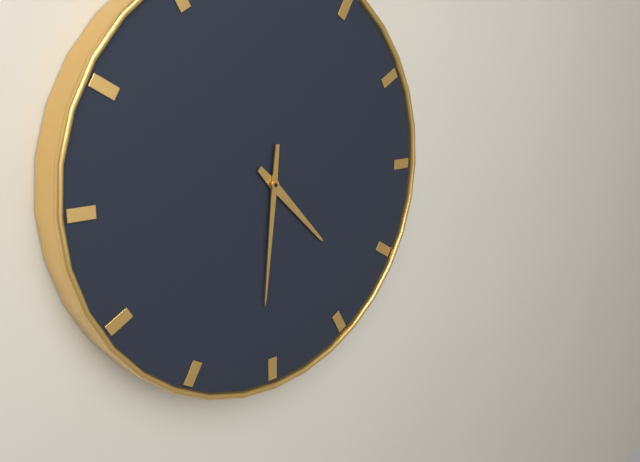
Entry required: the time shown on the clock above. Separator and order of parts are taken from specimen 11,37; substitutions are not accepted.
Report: 4,31
